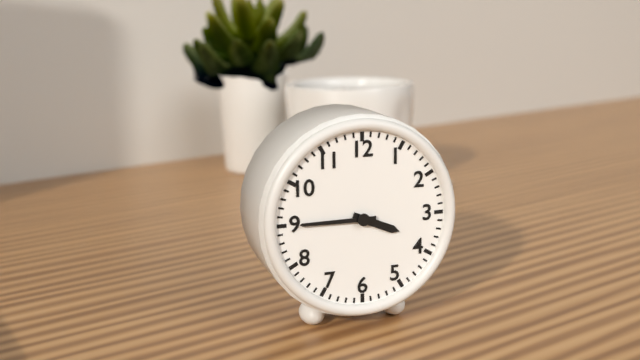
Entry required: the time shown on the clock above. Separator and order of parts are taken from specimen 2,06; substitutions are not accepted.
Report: 3,45
